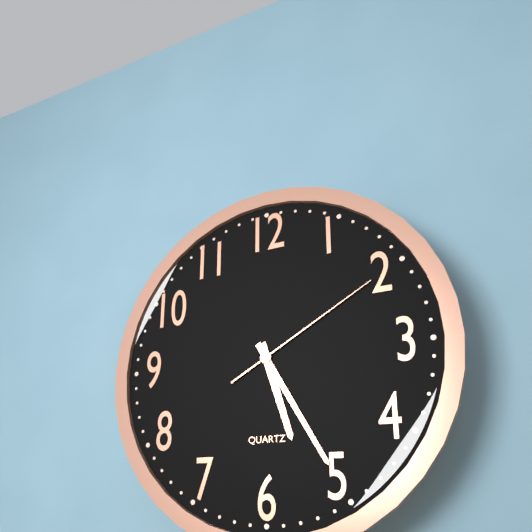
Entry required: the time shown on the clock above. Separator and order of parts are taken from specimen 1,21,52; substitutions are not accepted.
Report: 5,25,10
